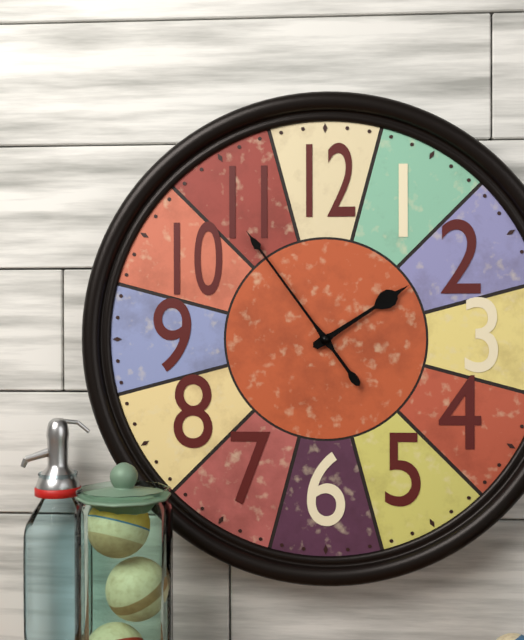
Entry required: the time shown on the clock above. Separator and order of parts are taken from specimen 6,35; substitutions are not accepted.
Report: 1,54
